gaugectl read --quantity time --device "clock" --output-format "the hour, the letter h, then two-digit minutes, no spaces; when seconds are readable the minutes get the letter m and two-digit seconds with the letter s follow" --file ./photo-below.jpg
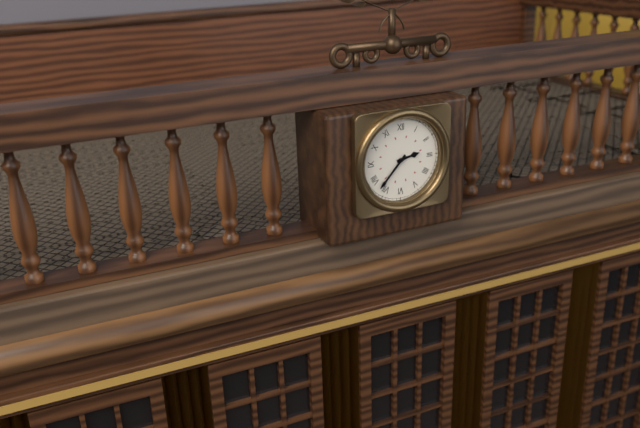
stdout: 2h37
